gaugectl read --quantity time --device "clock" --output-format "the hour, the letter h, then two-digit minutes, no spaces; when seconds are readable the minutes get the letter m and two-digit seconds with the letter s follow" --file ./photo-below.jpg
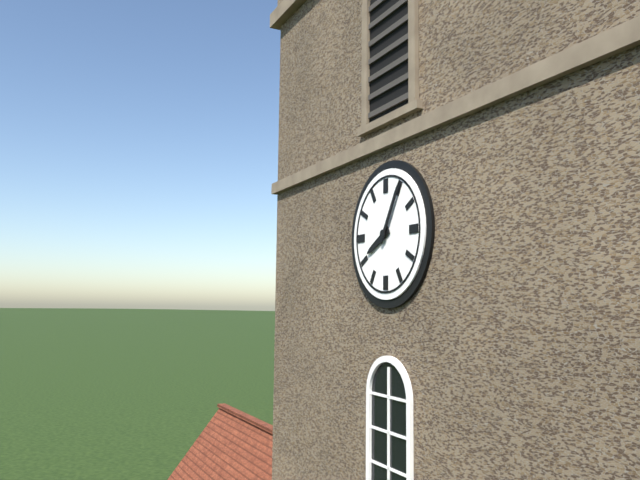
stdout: 8h05
